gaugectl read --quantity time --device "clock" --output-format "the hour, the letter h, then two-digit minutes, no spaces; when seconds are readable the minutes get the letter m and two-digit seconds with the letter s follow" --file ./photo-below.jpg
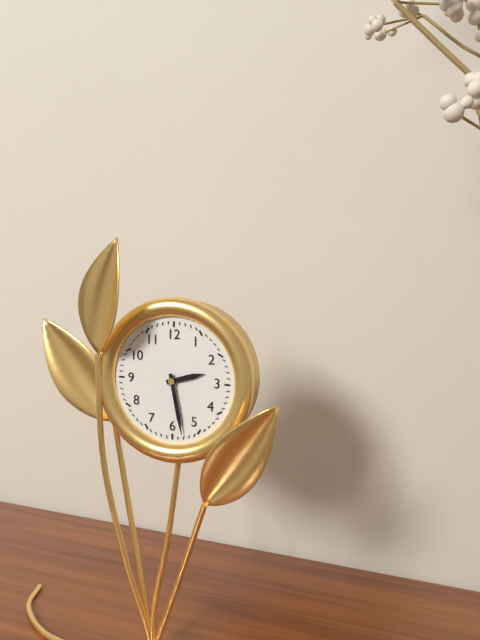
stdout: 2h28
